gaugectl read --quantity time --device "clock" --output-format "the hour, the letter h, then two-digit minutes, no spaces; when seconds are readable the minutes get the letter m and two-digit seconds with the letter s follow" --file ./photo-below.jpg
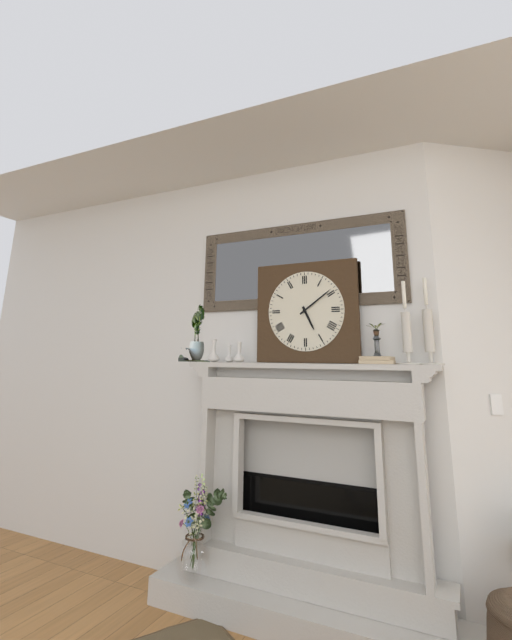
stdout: 5h09
